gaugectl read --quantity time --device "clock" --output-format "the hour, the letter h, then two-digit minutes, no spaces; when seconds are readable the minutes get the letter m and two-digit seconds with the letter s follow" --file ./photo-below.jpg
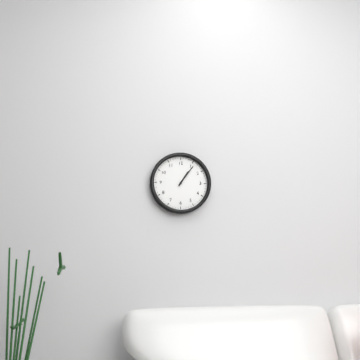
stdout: 1h06
